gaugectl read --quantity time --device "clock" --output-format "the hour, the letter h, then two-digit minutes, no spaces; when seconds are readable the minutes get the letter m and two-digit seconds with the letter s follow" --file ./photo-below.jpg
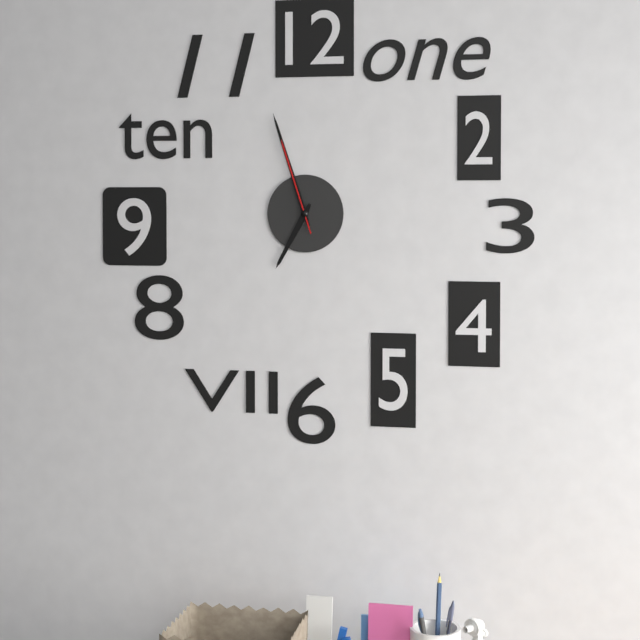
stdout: 6h57m57s
